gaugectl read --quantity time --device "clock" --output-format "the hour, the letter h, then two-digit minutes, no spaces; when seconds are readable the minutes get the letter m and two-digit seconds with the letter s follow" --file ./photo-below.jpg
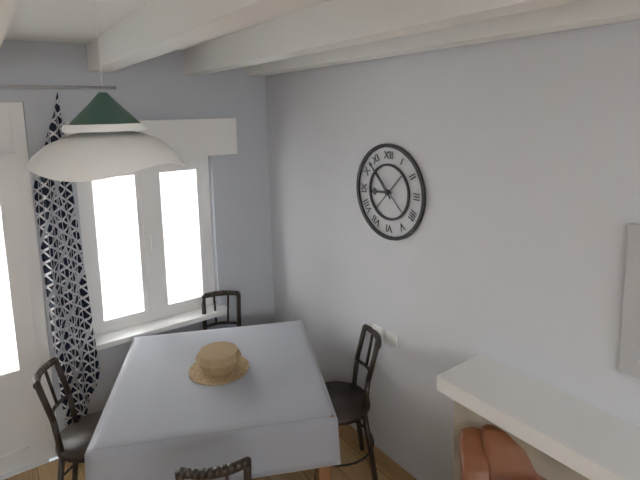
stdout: 8h53
